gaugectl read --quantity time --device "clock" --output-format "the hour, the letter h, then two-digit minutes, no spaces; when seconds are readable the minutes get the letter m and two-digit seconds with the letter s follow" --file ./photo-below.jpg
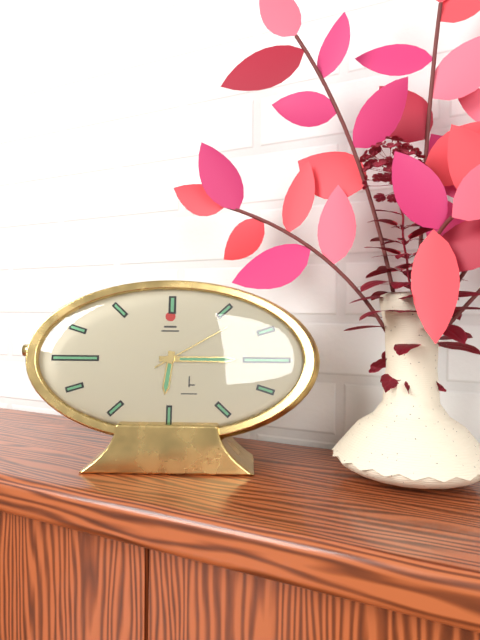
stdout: 6h15m10s
